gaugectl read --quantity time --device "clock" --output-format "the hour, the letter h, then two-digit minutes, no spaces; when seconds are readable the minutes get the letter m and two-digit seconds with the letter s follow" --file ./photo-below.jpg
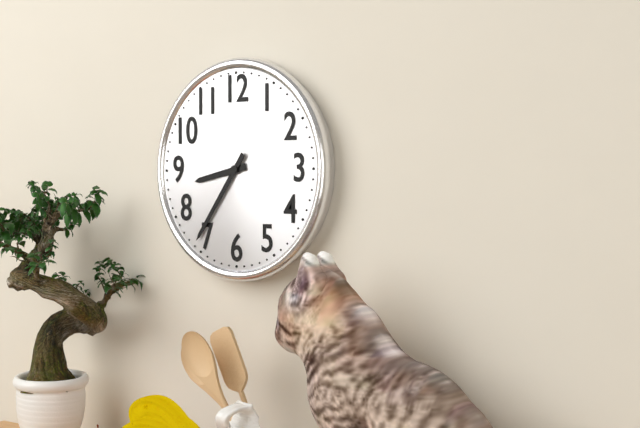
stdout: 8h36
